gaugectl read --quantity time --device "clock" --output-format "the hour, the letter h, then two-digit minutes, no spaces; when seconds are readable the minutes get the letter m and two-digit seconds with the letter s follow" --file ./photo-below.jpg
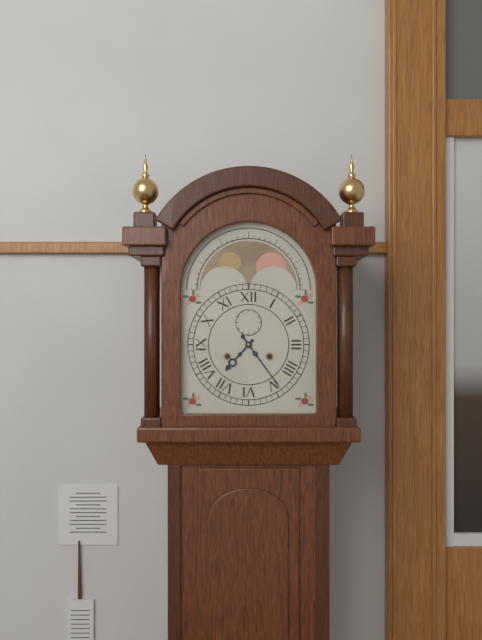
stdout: 7h24
